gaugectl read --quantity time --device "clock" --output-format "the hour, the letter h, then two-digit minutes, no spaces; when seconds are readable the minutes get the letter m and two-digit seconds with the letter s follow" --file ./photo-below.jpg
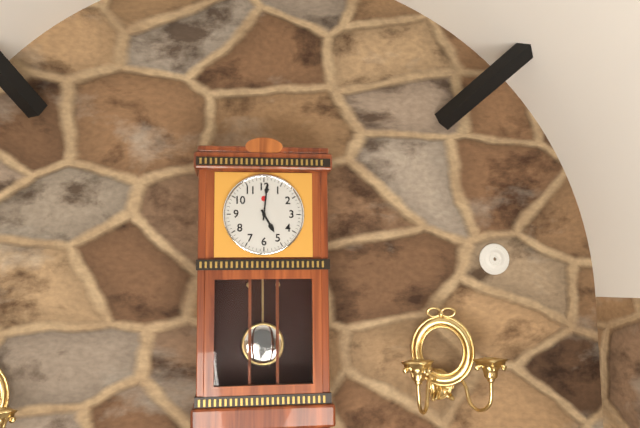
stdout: 5h01
